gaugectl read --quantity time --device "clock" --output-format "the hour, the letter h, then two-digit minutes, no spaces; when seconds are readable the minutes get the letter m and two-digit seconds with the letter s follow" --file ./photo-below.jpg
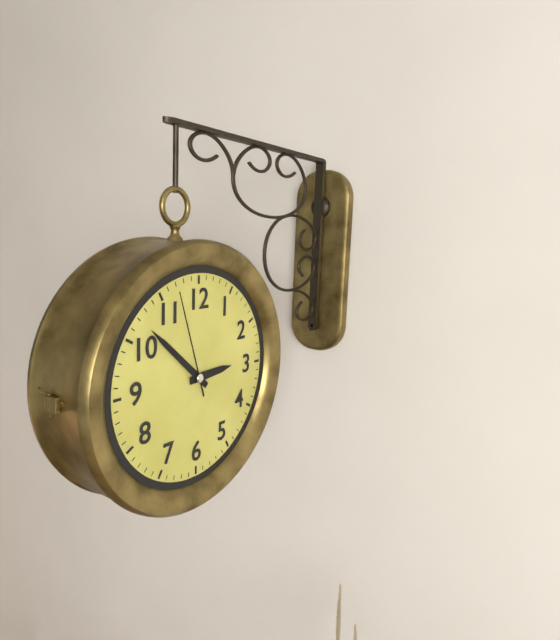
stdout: 2h52m57s
